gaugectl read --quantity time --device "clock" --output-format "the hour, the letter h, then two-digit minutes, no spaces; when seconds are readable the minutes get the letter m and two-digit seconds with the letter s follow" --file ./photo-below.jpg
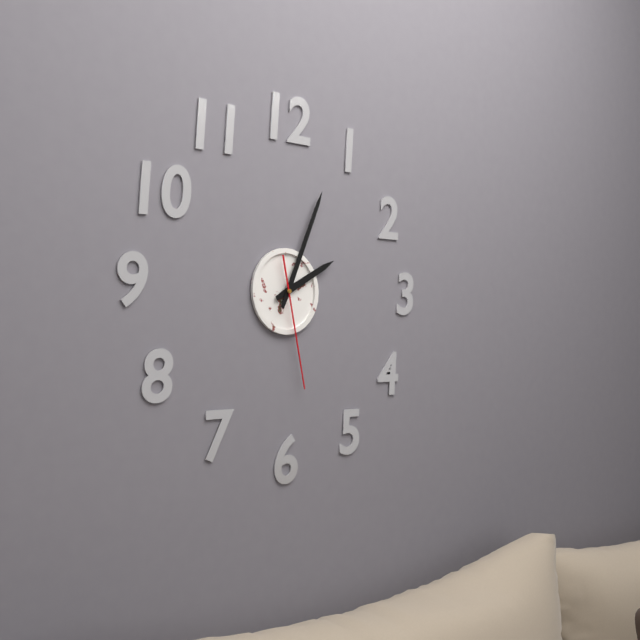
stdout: 2h04m28s
